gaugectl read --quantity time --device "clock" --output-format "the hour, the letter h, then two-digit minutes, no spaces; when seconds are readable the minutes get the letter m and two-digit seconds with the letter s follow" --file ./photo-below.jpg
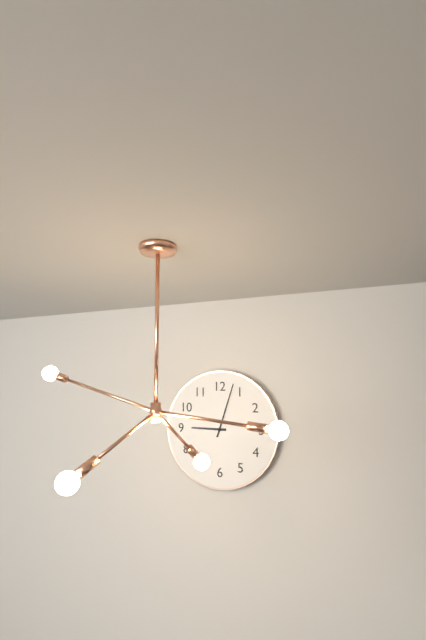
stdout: 9h03
